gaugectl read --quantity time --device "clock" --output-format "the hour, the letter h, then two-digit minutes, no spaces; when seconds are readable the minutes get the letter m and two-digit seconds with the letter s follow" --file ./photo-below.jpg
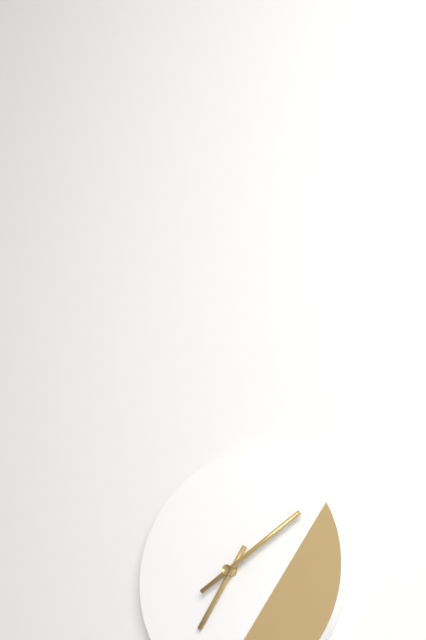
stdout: 7h10
